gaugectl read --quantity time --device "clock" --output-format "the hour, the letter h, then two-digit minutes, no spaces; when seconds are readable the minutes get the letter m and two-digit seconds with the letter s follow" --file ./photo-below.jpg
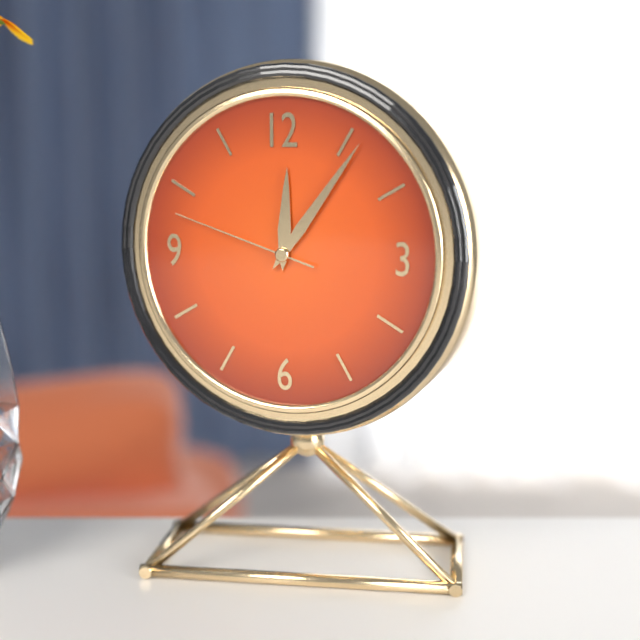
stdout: 12h06m48s
